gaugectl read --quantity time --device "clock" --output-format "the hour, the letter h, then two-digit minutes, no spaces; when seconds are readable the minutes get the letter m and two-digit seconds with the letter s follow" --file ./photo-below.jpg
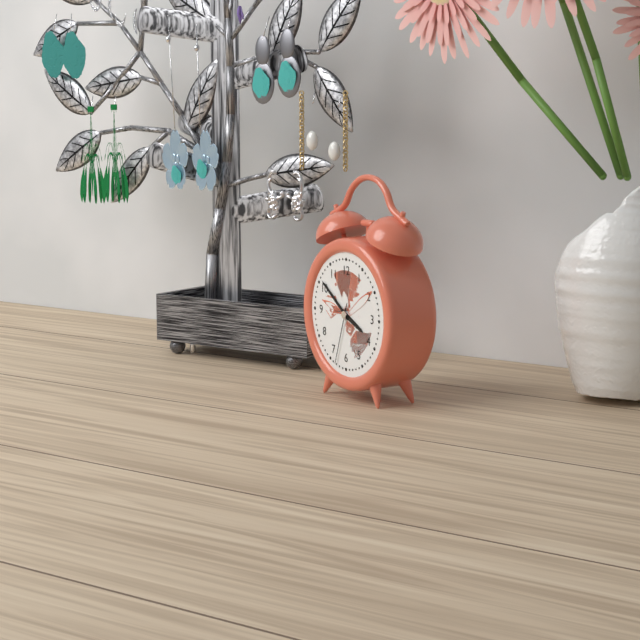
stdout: 3h51m33s
